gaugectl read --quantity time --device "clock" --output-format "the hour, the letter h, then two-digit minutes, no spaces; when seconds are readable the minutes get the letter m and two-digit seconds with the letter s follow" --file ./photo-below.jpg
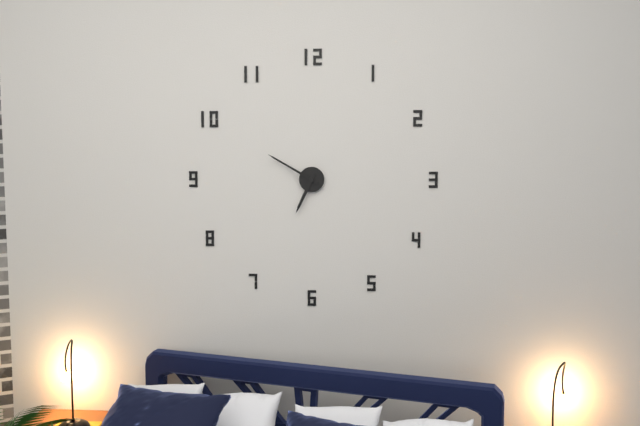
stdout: 6h50
